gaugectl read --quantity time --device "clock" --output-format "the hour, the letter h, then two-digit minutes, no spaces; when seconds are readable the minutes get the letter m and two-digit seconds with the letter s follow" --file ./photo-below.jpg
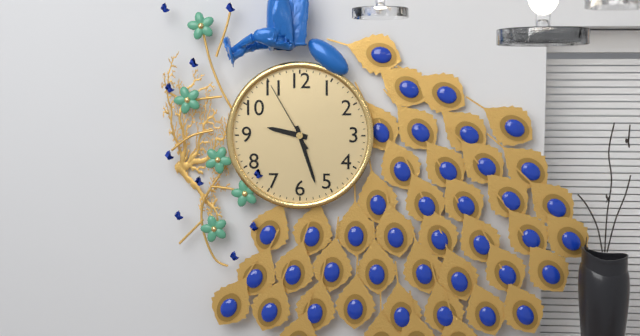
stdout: 9h27m55s
